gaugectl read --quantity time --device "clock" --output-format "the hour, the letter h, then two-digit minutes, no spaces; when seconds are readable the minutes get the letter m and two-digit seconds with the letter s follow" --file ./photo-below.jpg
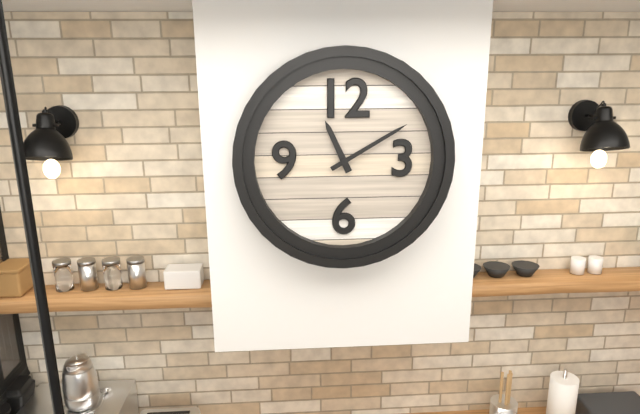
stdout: 11h10
